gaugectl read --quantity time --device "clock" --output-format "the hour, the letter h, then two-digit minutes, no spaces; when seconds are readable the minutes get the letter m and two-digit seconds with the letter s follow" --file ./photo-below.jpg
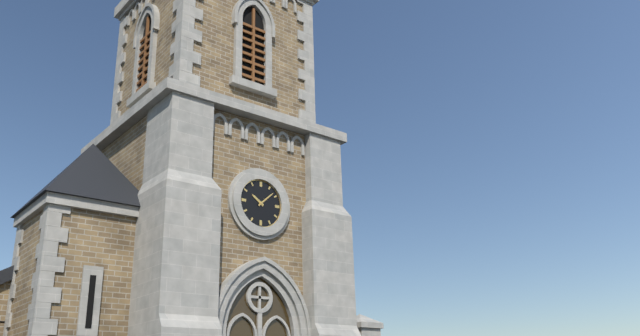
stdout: 10h08
